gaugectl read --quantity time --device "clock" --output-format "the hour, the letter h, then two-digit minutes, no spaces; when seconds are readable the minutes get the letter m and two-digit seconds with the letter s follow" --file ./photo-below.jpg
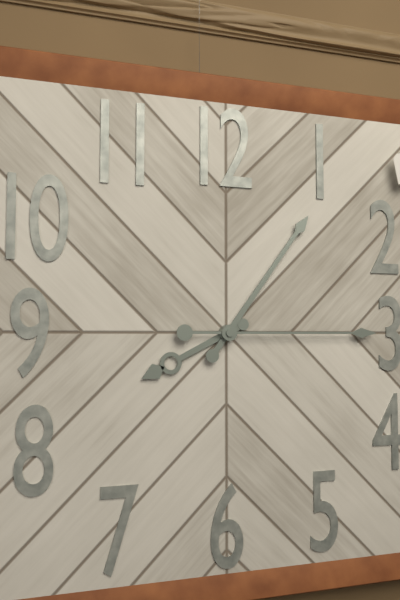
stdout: 8h06m15s
